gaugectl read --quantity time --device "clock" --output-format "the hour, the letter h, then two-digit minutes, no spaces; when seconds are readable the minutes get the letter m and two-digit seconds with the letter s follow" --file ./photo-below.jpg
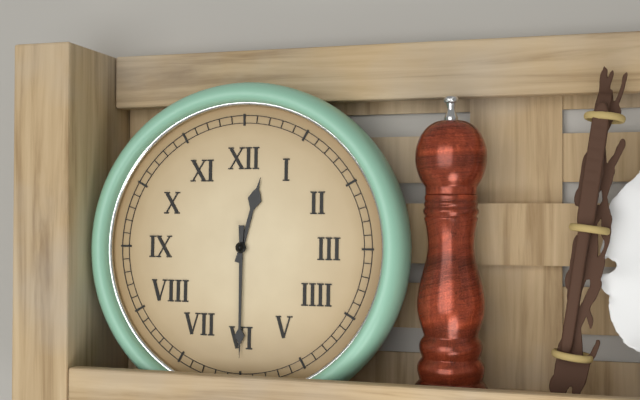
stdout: 12h30
